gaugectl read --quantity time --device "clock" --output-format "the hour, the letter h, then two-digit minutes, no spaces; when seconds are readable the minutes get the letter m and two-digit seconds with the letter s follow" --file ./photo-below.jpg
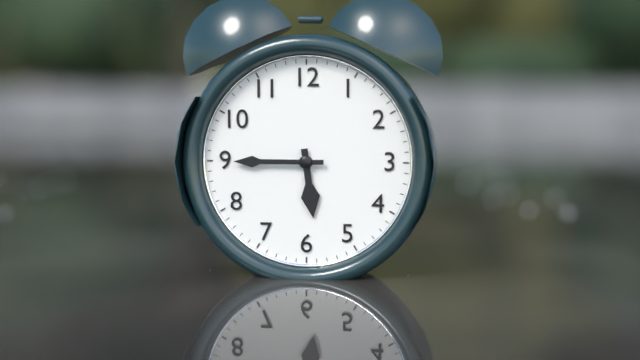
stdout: 5h45
